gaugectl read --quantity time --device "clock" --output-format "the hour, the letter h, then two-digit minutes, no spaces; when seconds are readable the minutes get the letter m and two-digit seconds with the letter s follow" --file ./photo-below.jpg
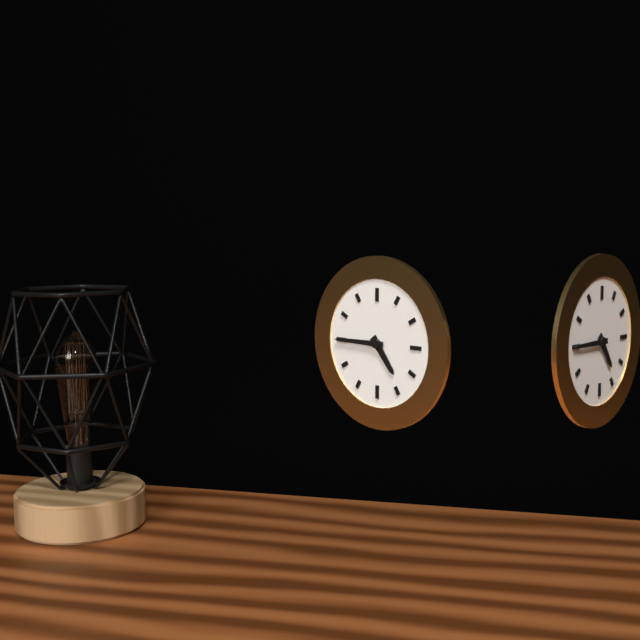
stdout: 4h45
